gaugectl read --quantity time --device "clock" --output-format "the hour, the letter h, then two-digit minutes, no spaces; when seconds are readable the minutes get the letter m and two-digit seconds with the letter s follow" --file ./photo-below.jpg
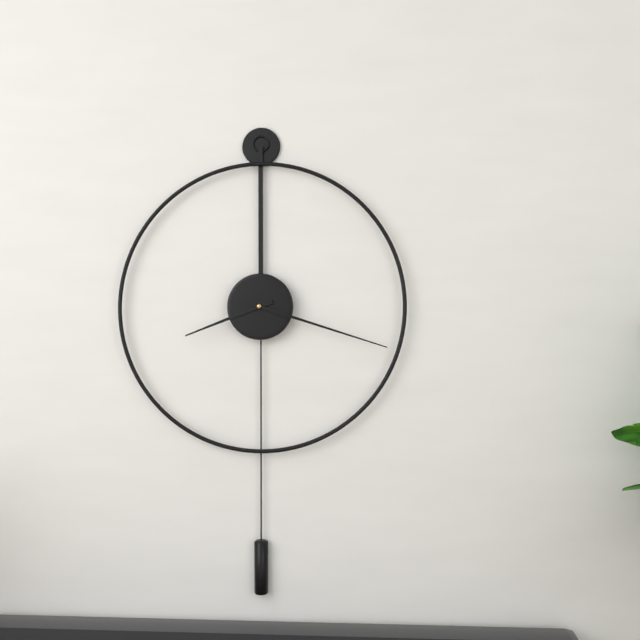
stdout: 8h18
